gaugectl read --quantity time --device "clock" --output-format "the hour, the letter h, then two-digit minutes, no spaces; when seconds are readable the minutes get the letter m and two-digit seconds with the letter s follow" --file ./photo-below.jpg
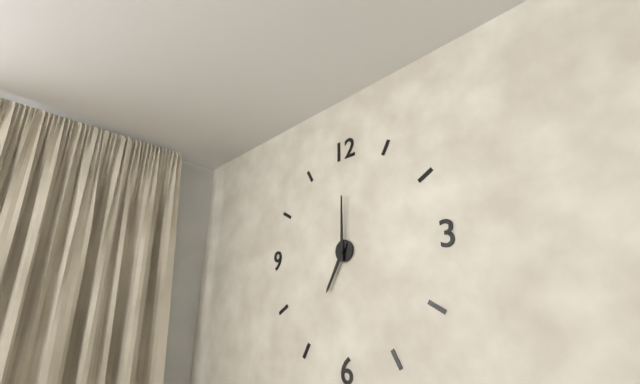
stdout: 7h00
